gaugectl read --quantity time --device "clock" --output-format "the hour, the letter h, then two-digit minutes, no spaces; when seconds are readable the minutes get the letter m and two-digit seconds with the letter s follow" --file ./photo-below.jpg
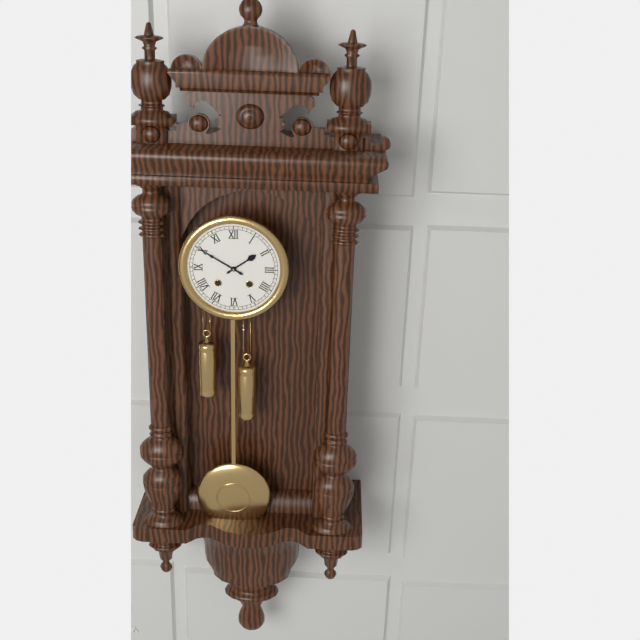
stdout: 1h50
